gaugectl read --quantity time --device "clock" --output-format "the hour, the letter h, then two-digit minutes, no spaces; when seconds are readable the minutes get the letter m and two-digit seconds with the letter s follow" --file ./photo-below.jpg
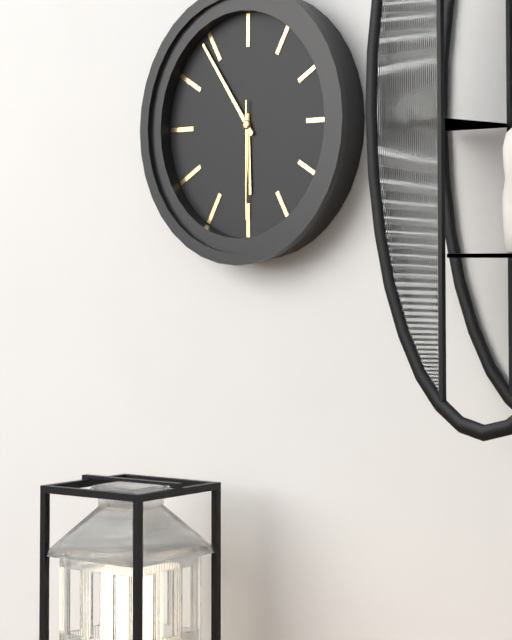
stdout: 5h54m30s
